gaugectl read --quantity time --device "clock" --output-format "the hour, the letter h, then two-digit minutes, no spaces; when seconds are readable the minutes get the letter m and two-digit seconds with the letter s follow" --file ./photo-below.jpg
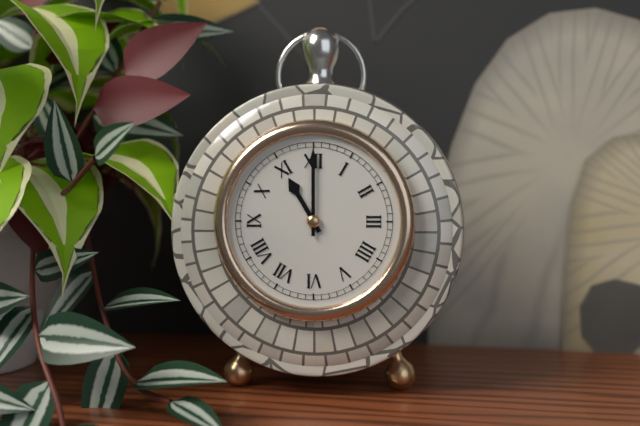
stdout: 11h00
